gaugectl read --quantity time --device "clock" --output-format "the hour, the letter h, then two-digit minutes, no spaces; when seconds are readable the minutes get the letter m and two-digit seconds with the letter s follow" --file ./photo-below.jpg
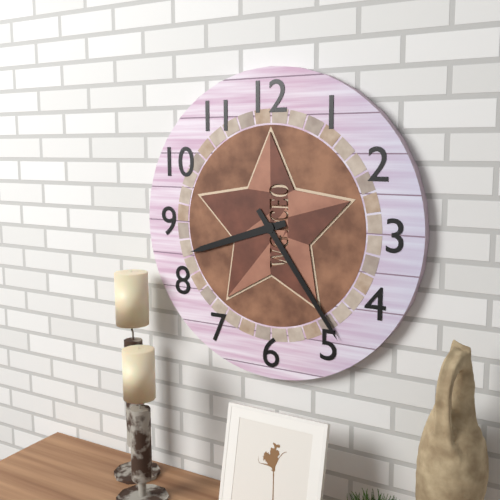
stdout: 8h24
